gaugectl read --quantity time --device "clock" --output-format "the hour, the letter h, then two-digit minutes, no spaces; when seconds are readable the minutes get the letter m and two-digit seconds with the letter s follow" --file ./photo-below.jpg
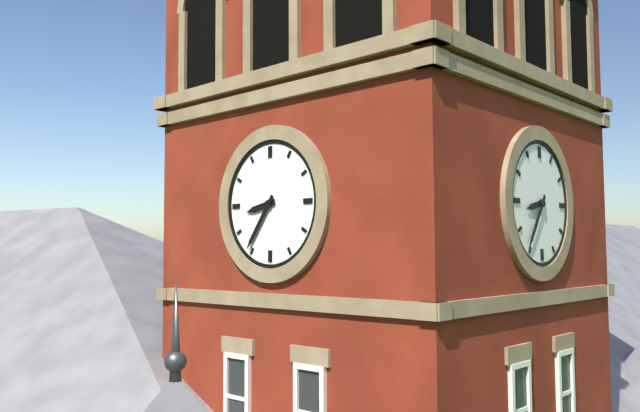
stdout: 8h36
